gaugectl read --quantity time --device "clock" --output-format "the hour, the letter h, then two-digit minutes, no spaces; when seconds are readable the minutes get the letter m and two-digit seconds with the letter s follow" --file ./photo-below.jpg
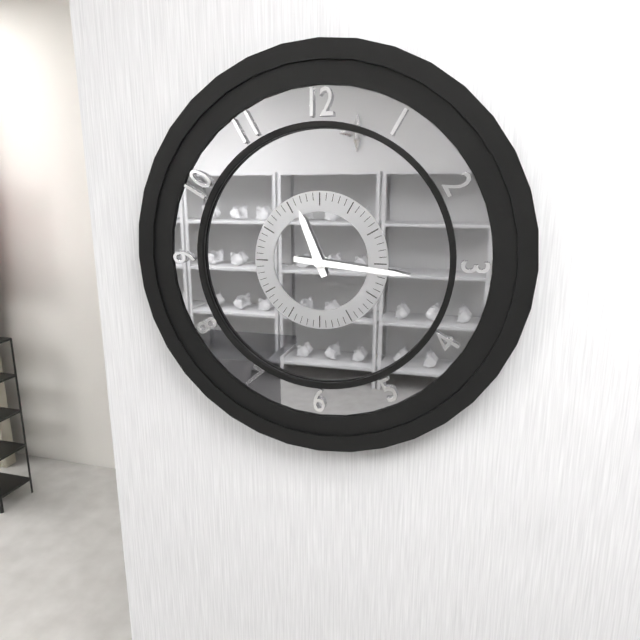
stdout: 11h16
